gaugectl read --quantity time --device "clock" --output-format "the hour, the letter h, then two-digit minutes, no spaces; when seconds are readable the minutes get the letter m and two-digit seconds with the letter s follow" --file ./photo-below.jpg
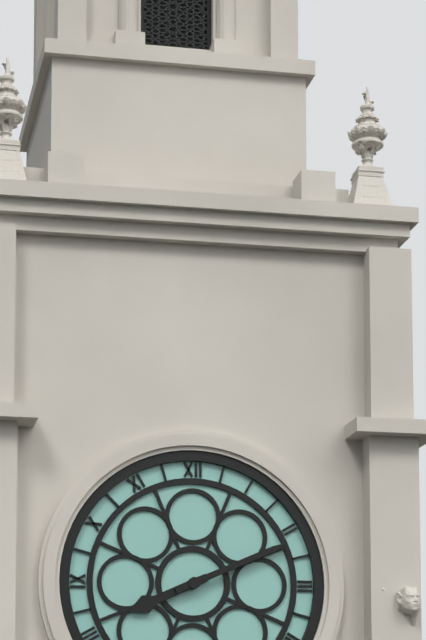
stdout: 8h11
